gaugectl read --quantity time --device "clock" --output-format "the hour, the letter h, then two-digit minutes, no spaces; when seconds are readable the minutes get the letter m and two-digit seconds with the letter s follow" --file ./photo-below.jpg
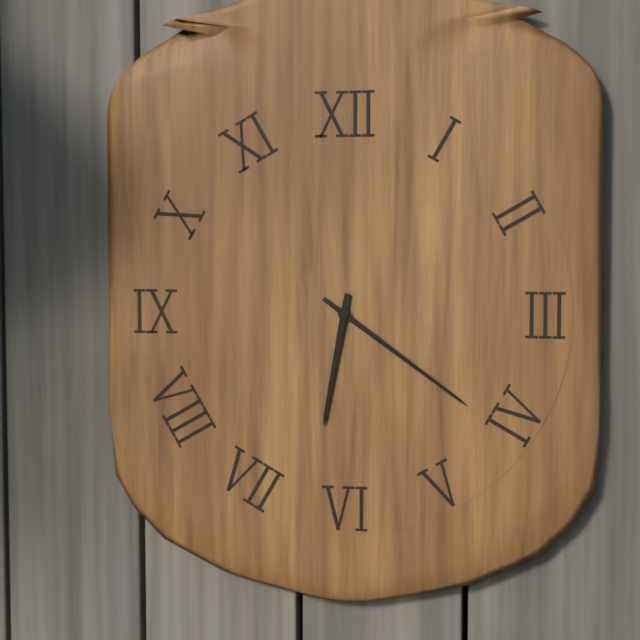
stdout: 6h21
